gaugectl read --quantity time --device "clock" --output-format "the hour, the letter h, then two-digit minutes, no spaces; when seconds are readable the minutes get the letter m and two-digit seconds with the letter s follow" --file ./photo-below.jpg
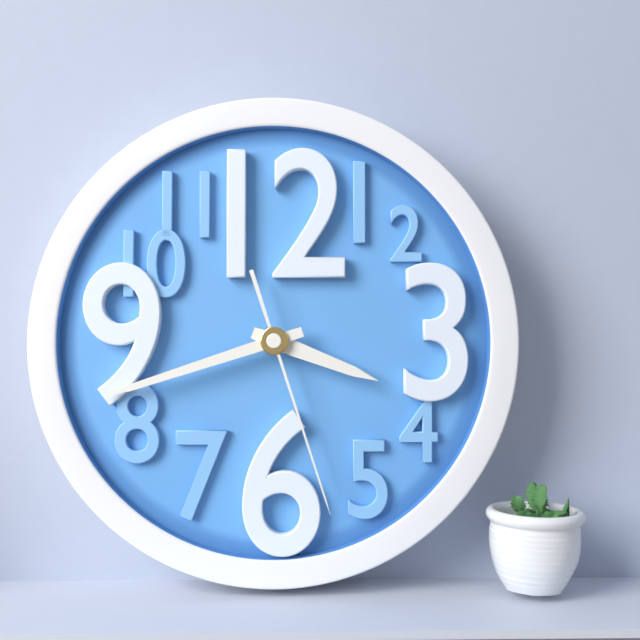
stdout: 3h42m27s
